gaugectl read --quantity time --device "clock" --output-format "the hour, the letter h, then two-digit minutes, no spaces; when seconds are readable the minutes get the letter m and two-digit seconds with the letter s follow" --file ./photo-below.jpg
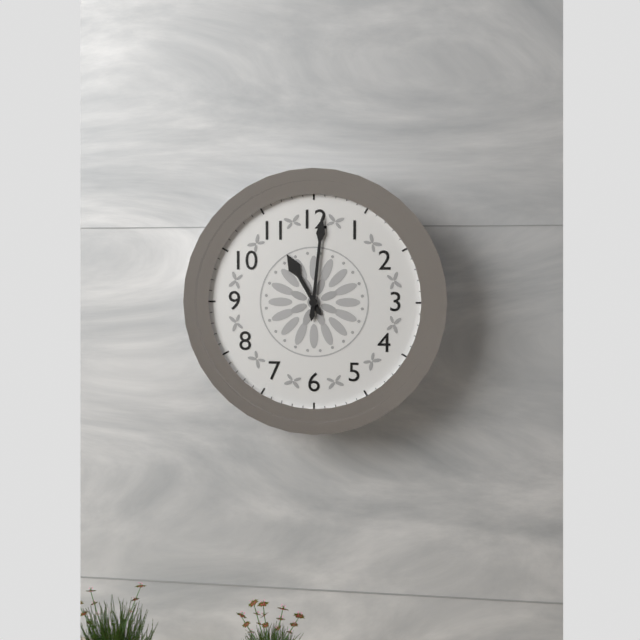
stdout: 11h01
